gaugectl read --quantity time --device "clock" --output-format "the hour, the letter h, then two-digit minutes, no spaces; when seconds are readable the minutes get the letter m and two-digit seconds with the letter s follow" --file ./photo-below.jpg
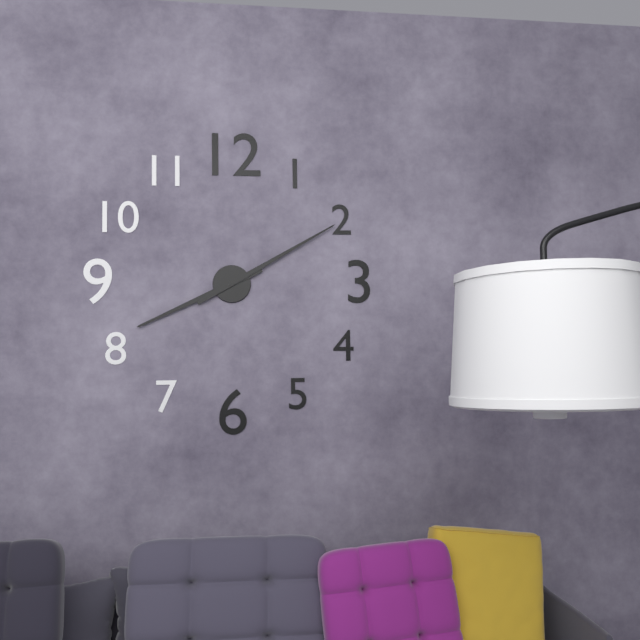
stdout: 8h10
